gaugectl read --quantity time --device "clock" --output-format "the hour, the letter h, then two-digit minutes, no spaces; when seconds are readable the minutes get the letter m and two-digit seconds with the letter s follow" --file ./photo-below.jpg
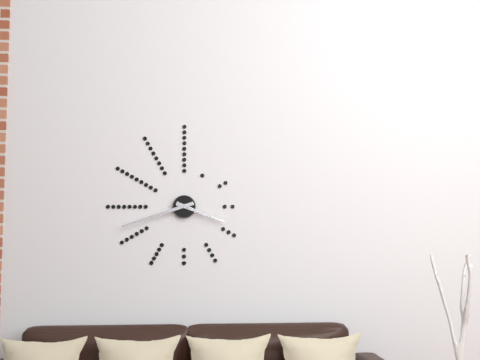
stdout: 3h42
